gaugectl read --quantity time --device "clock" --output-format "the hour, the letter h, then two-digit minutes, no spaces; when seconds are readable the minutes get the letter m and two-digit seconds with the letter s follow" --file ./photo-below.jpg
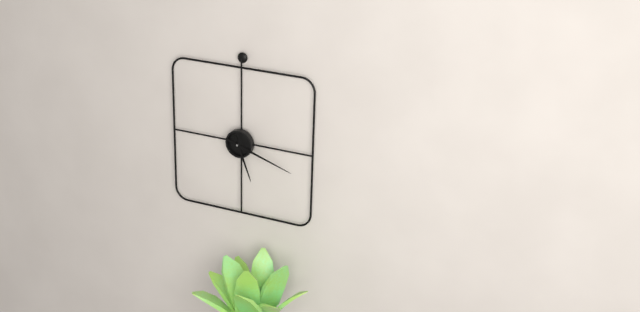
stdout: 5h18
